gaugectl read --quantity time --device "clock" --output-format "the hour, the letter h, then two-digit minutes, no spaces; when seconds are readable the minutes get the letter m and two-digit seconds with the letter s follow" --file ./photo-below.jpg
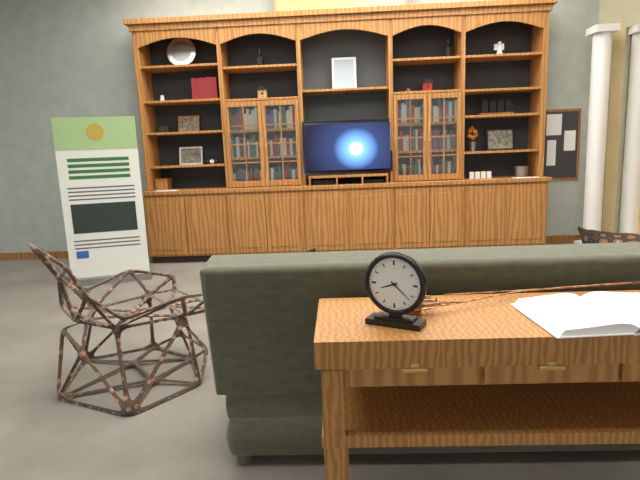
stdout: 8h22
